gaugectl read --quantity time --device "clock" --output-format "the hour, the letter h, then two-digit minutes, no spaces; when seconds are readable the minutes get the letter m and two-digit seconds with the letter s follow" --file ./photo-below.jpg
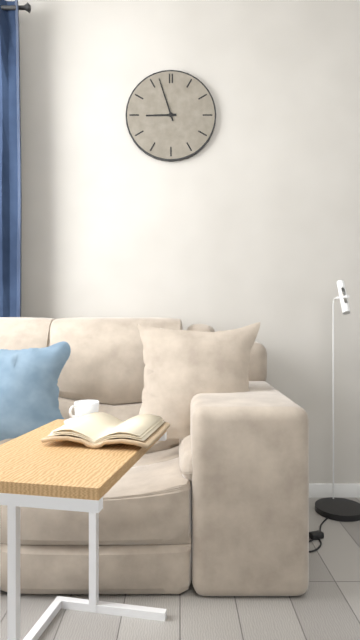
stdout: 8h57
